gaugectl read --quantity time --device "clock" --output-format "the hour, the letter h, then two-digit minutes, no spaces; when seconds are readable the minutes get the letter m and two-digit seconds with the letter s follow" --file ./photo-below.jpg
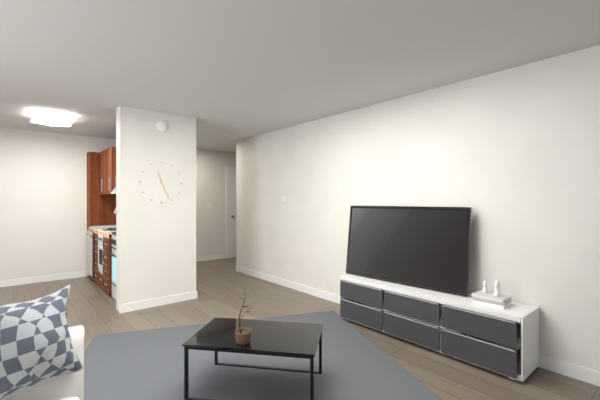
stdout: 11h26
